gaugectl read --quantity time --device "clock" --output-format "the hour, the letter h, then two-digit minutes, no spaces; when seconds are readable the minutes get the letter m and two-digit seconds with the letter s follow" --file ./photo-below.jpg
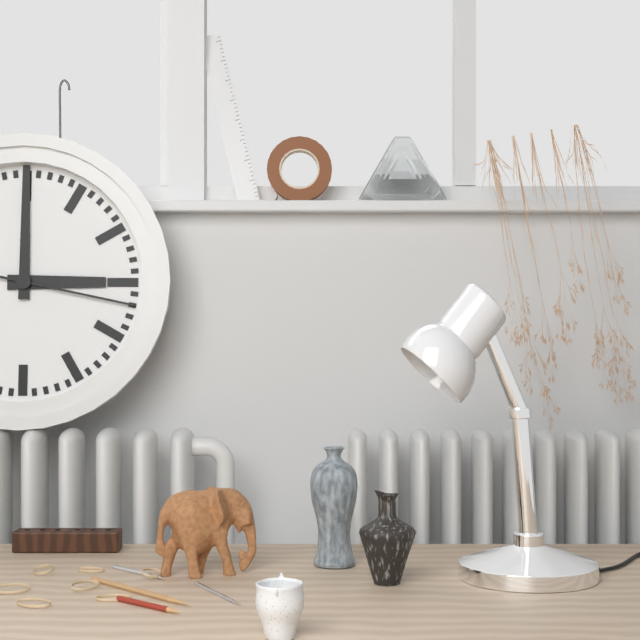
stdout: 3h00m17s
